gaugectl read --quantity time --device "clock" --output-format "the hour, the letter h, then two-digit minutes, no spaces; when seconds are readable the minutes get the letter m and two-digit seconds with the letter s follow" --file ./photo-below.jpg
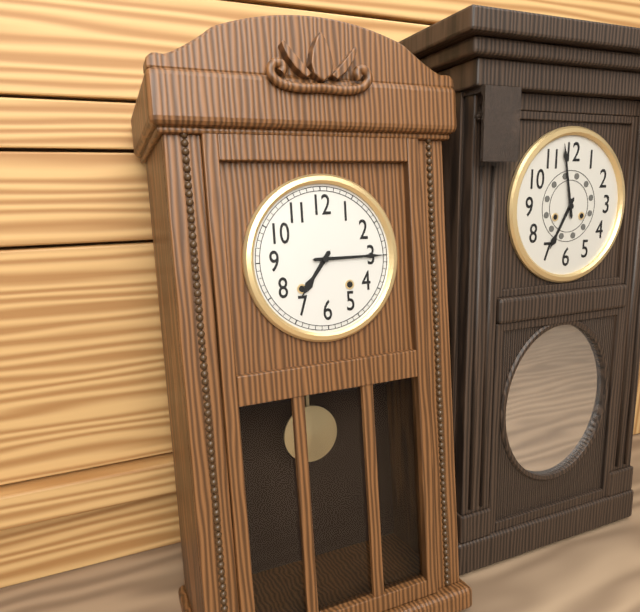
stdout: 7h15
